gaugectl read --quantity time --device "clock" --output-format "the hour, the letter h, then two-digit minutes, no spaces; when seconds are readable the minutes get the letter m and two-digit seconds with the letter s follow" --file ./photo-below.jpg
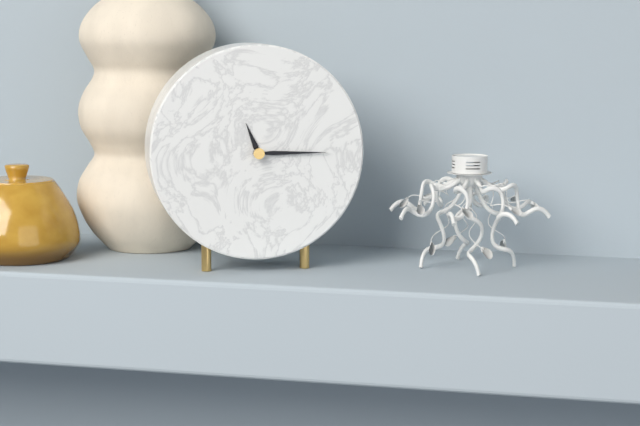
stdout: 11h15
